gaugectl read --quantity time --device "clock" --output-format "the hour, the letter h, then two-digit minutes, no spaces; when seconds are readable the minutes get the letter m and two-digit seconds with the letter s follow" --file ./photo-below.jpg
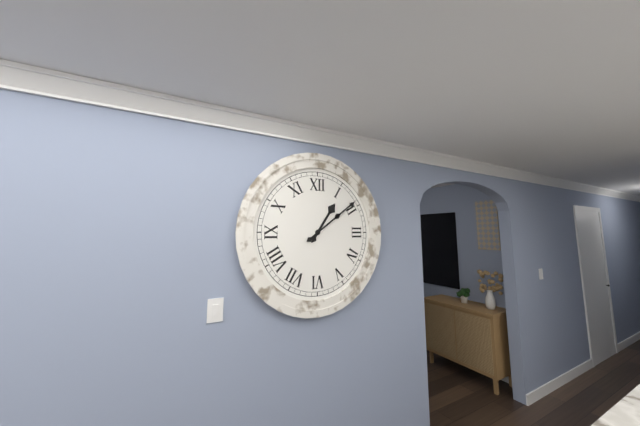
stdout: 1h09
